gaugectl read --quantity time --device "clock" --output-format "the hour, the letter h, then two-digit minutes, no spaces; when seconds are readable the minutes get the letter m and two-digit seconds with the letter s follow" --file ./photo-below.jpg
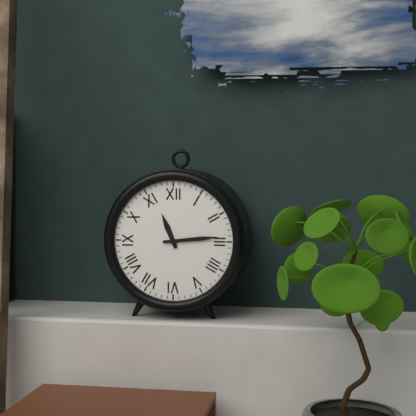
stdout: 11h14
